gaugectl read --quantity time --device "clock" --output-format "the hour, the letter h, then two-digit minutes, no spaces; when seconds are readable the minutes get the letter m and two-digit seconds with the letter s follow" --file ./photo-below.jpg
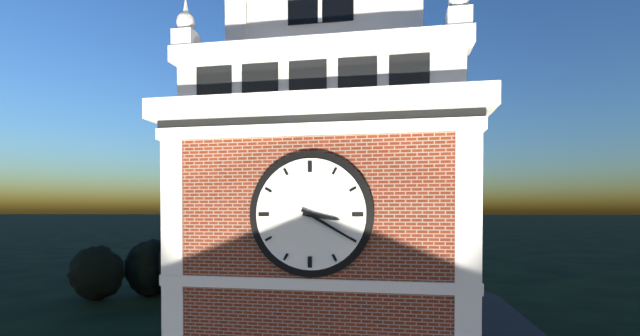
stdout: 3h20
